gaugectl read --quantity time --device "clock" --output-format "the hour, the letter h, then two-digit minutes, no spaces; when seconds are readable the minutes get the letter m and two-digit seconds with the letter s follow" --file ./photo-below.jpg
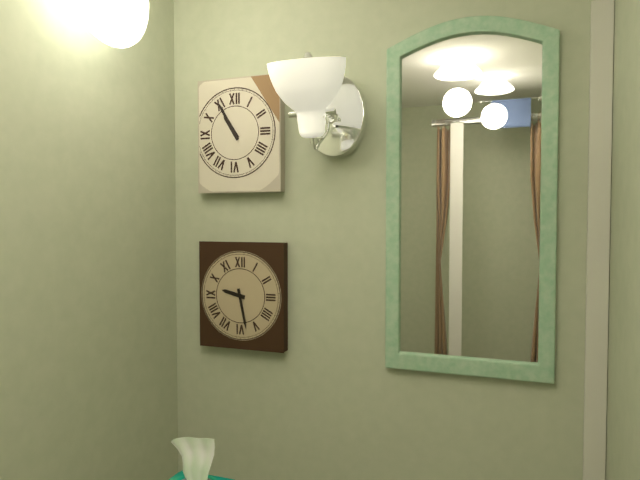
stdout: 10h55
